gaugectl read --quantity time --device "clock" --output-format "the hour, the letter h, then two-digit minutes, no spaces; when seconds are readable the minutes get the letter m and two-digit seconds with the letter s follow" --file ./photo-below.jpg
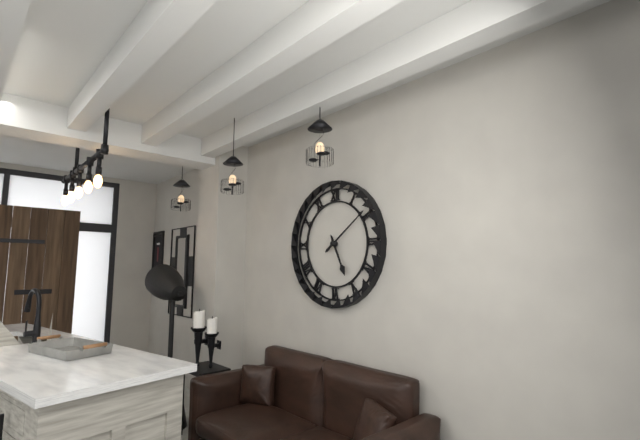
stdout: 5h09
